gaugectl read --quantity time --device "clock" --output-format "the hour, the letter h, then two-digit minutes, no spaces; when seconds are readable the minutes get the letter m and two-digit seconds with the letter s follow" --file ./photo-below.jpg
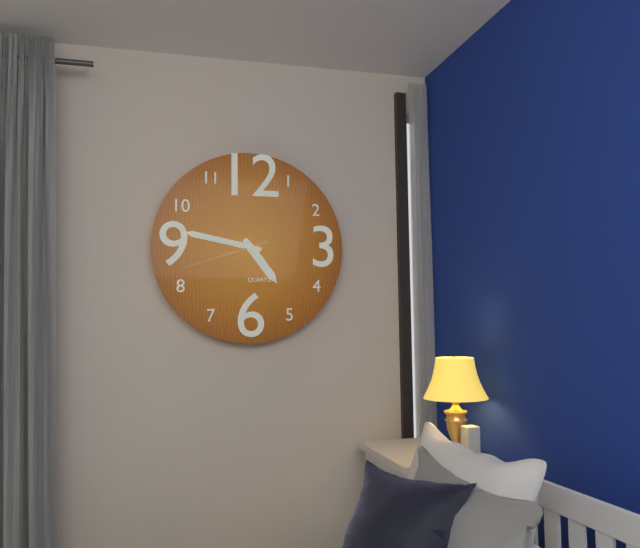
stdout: 4h47m42s
